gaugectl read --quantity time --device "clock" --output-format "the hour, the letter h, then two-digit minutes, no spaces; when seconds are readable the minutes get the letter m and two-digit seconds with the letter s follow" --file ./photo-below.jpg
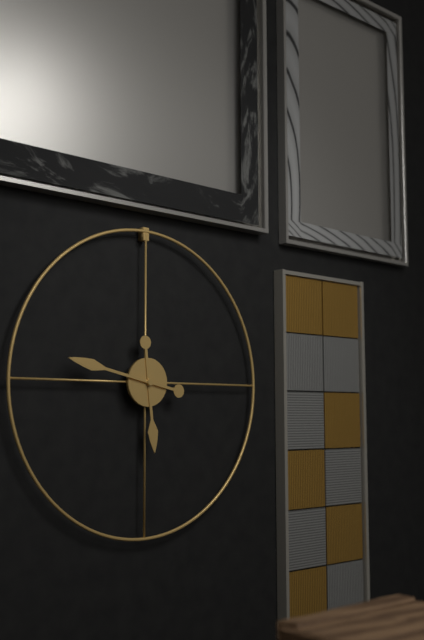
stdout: 5h47
